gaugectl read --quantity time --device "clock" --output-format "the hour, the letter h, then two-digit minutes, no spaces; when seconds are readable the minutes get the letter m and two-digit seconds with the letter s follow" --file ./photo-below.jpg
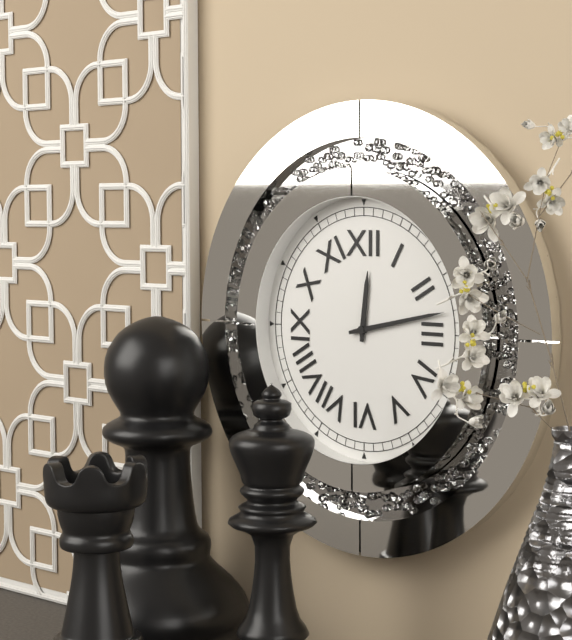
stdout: 12h13
